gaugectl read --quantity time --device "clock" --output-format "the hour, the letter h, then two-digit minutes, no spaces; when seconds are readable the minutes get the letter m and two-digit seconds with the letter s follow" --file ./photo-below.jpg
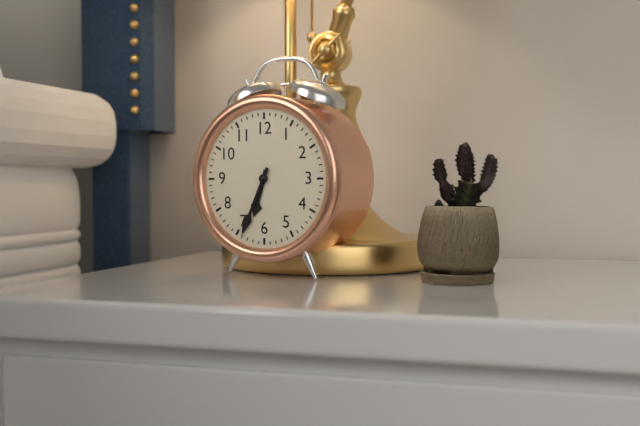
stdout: 6h34
